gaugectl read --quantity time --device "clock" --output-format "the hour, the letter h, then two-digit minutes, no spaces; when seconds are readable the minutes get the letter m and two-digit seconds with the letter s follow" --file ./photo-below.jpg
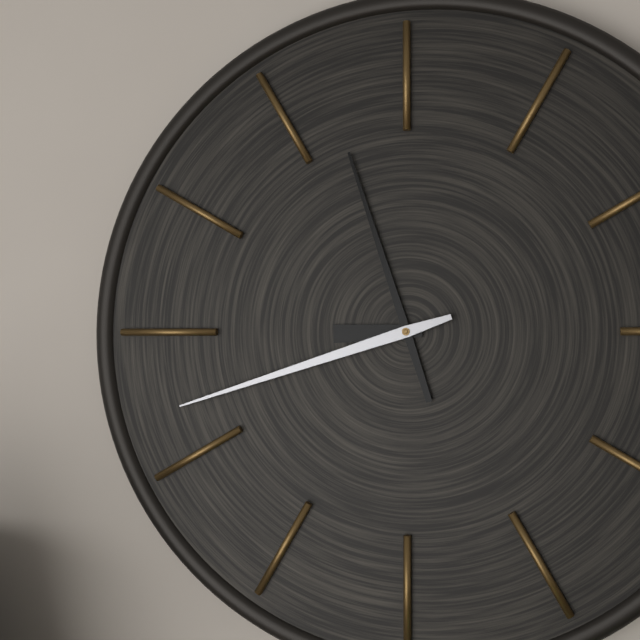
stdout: 8h57m42s
